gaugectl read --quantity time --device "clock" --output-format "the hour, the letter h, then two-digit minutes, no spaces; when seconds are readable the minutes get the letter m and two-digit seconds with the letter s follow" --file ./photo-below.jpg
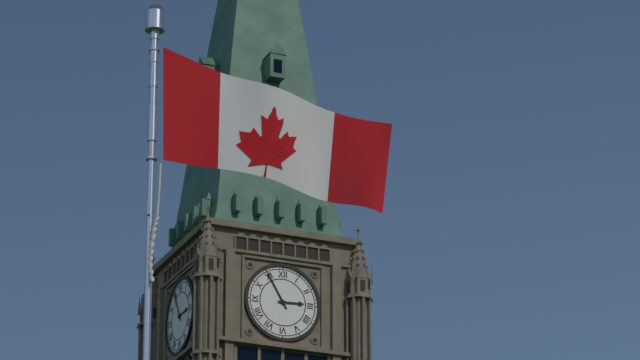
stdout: 2h55
